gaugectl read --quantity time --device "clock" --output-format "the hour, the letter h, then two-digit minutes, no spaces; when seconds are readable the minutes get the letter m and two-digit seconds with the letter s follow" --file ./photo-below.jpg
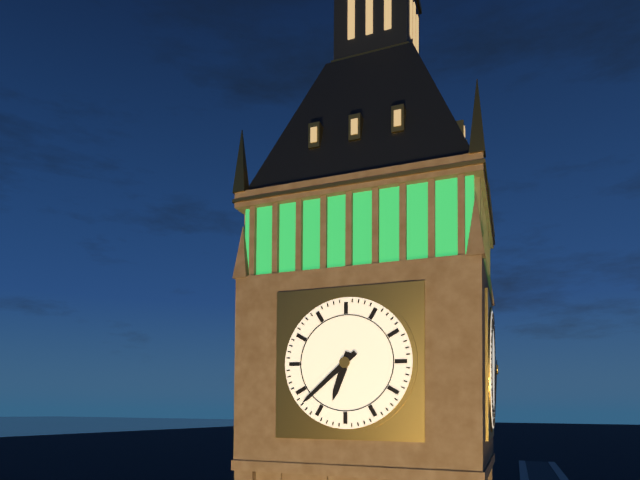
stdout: 6h38
